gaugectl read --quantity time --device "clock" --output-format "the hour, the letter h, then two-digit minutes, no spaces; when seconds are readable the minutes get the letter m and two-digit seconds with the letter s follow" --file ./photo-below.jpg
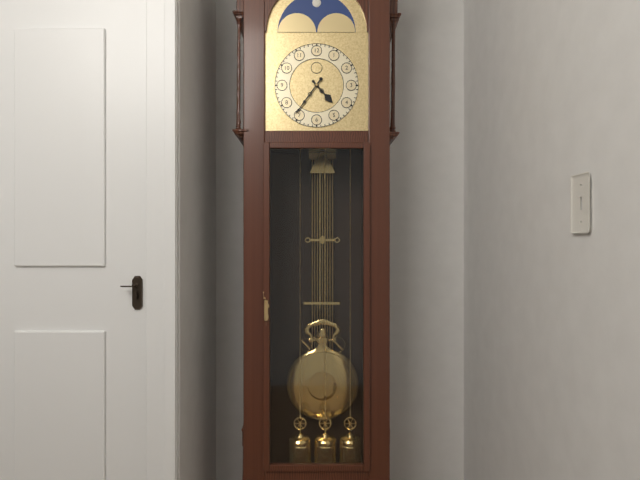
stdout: 4h36
